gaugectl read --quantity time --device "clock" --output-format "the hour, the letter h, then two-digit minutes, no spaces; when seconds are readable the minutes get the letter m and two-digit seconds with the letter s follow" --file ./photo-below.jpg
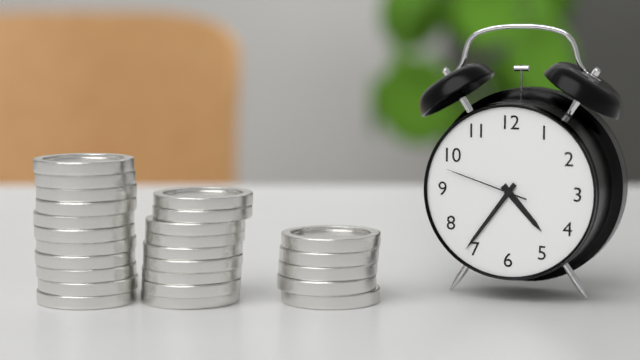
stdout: 4h36m48s
